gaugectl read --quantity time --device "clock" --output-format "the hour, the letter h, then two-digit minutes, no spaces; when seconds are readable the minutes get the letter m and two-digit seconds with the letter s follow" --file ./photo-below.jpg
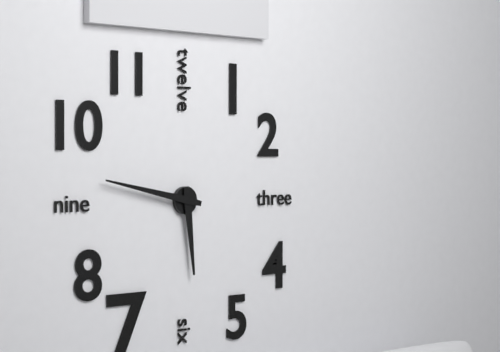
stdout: 5h47
